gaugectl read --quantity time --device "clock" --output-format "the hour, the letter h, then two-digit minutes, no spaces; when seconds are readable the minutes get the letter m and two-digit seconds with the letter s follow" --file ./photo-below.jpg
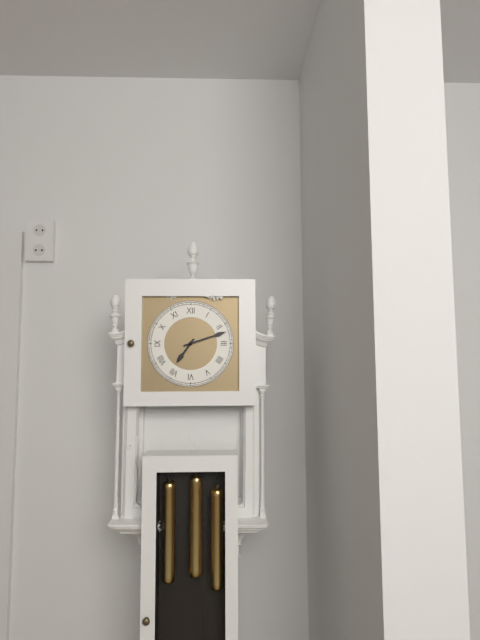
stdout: 7h12
